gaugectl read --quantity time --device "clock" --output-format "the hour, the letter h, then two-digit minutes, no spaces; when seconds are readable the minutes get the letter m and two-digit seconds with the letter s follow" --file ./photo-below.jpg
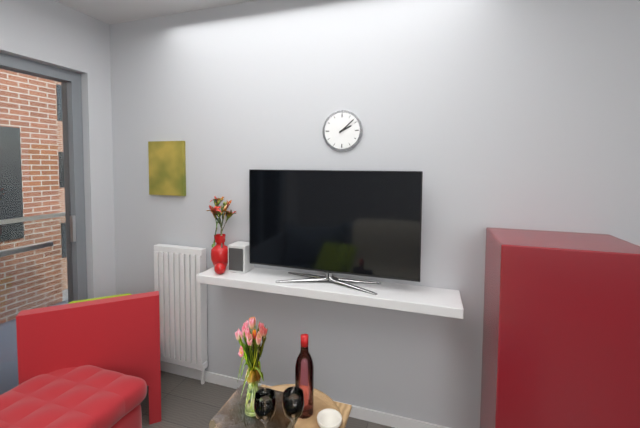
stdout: 2h08
